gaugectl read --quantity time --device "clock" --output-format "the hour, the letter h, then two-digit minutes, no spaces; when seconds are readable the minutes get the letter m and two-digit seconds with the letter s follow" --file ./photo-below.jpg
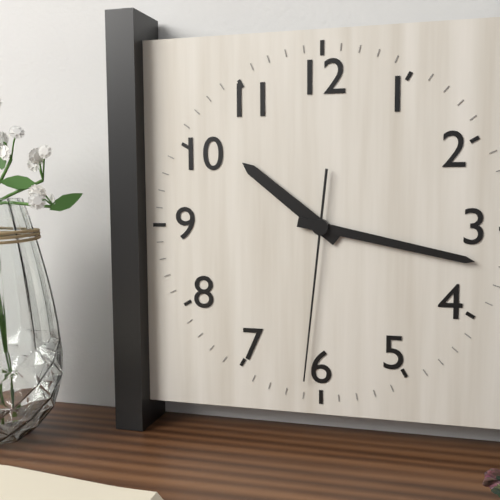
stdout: 10h17m31s
